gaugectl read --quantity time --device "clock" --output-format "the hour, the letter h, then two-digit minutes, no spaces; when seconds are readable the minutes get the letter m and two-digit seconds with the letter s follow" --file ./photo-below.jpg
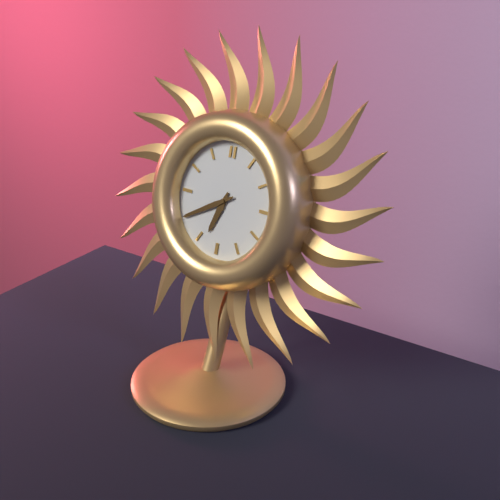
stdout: 6h40
